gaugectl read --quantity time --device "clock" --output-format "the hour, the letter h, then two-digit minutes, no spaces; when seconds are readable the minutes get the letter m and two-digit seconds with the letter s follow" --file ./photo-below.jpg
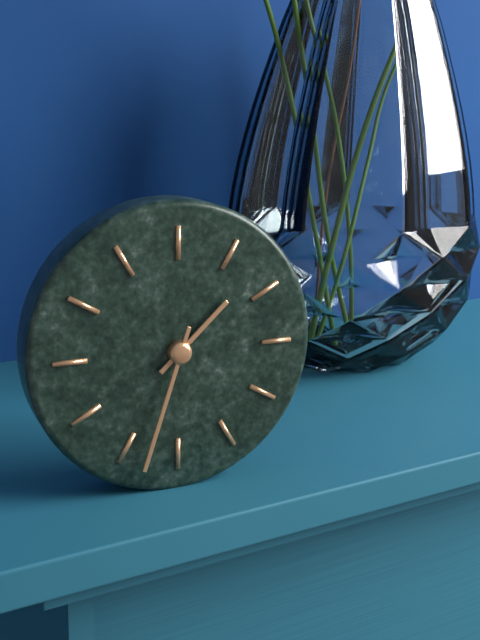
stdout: 1h33
